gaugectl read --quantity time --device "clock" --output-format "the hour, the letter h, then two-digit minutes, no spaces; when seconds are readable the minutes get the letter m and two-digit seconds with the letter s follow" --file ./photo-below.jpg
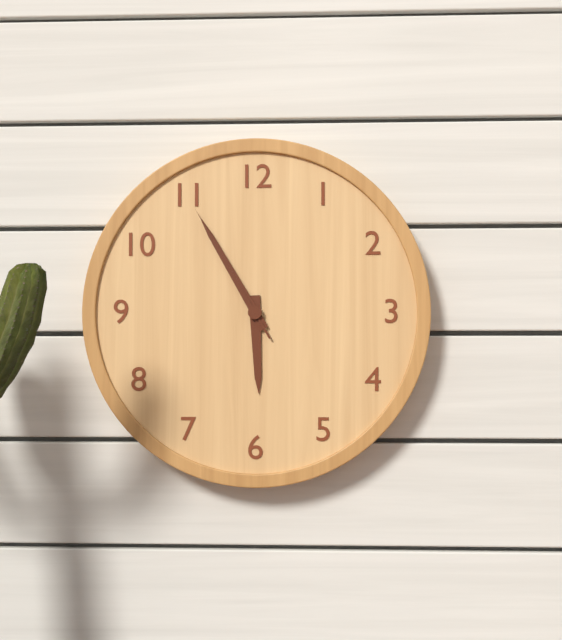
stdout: 5h55m55s
